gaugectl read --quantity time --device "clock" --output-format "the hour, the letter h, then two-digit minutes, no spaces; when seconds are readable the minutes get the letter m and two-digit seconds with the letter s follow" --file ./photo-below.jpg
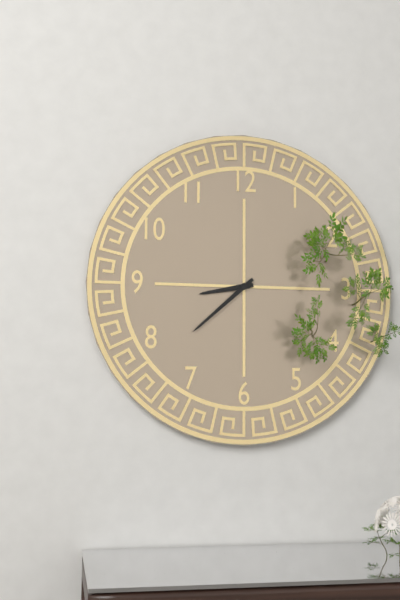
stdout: 8h38
